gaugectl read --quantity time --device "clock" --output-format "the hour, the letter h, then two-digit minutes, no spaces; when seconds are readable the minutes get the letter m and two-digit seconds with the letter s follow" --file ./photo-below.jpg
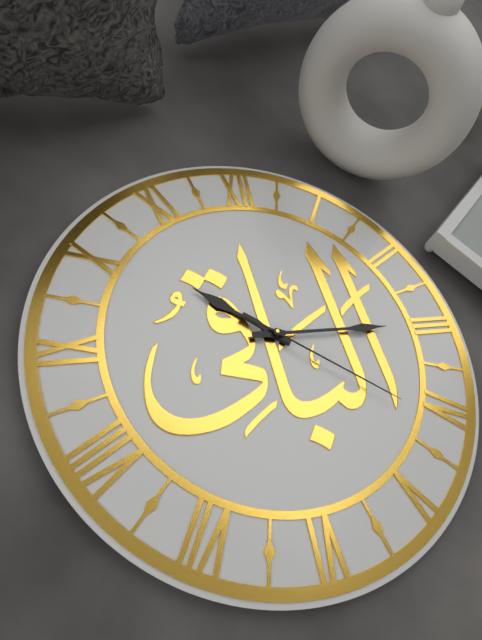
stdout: 10h15m21s
